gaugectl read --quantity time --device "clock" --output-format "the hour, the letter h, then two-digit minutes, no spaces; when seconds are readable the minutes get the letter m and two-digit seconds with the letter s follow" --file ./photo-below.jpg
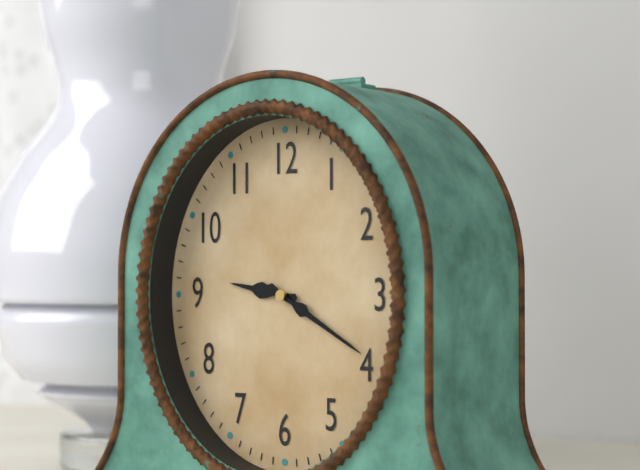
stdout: 9h20
